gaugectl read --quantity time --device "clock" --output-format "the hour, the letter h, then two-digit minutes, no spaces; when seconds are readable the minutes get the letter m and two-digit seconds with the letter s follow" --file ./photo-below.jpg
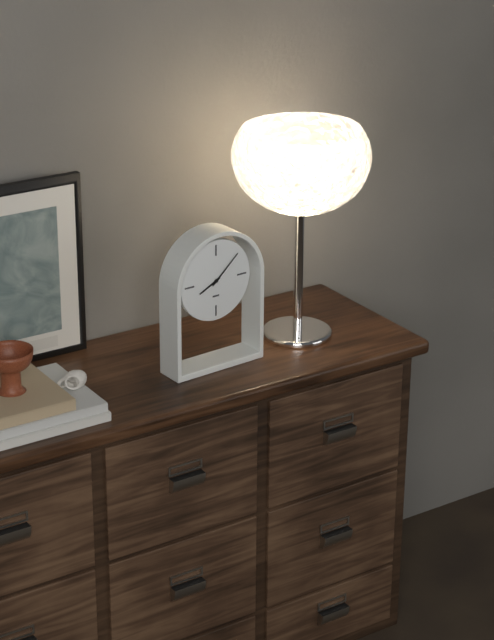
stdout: 8h08
